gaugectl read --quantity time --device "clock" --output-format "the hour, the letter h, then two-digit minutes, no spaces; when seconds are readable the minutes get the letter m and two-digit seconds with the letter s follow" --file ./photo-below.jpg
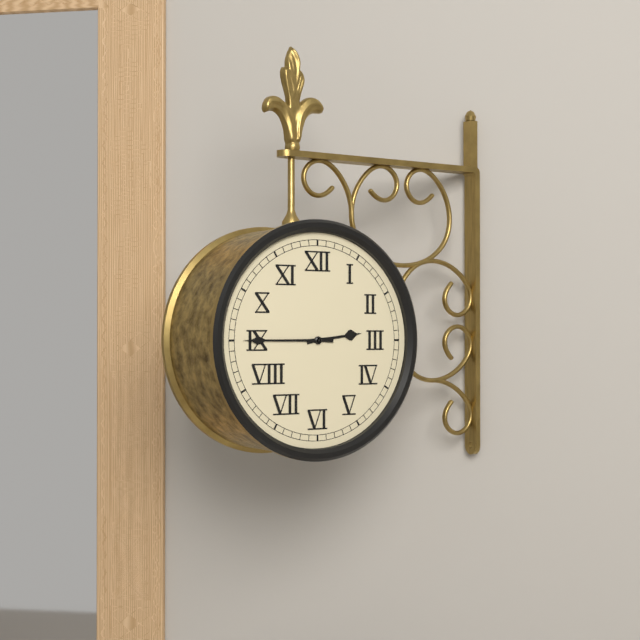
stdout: 2h45
